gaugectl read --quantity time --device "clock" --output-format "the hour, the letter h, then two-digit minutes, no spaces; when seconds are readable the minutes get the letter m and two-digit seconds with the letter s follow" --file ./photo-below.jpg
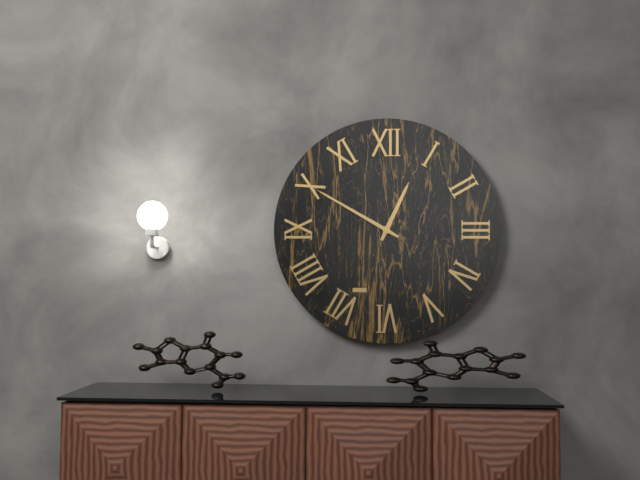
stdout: 12h50
